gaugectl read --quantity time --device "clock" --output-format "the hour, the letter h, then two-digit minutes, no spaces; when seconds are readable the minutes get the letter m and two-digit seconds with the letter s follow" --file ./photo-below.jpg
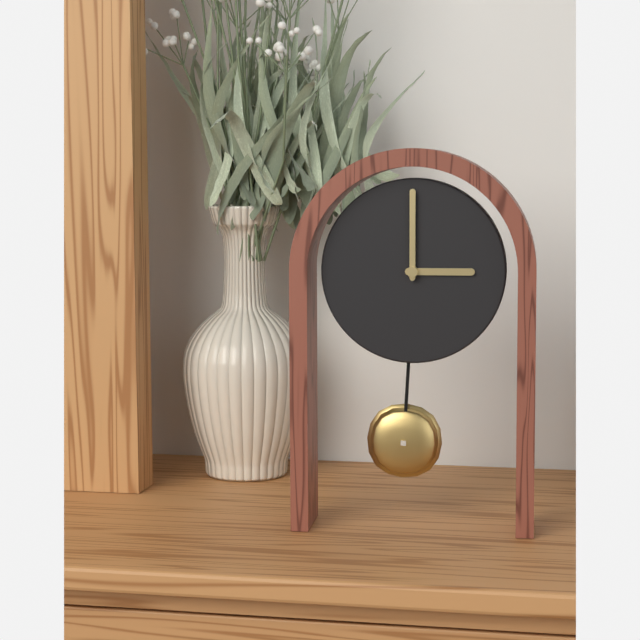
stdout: 3h00
